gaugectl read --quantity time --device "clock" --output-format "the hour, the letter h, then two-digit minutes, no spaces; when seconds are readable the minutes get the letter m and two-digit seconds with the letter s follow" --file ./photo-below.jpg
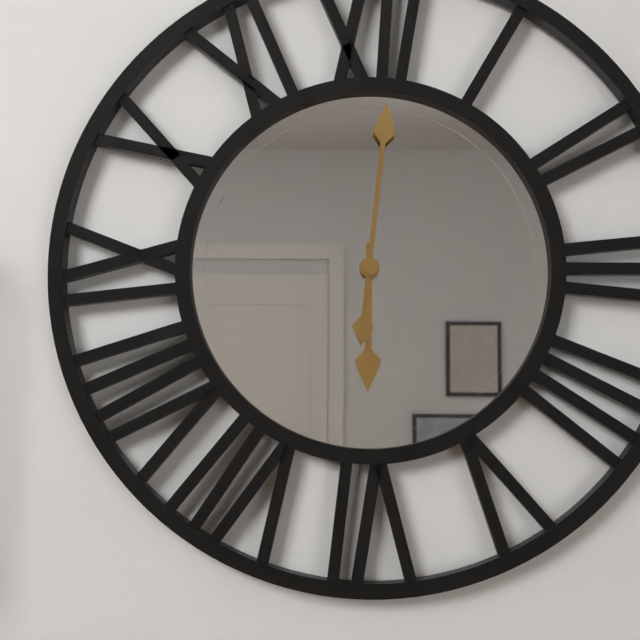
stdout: 6h01
